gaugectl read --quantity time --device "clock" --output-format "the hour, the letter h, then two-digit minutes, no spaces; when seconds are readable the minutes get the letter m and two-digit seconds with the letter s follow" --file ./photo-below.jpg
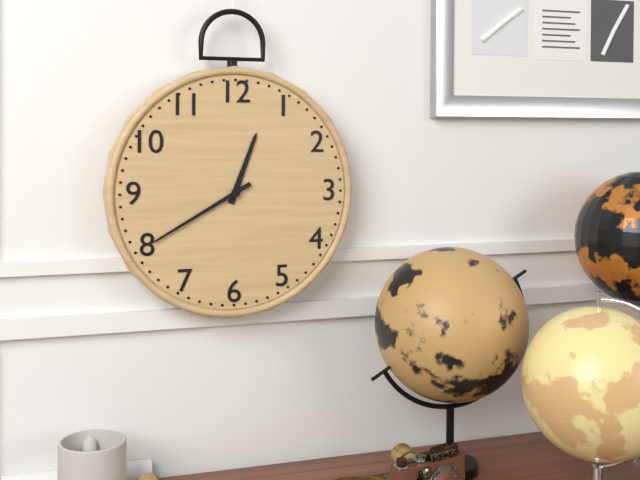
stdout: 12h40
